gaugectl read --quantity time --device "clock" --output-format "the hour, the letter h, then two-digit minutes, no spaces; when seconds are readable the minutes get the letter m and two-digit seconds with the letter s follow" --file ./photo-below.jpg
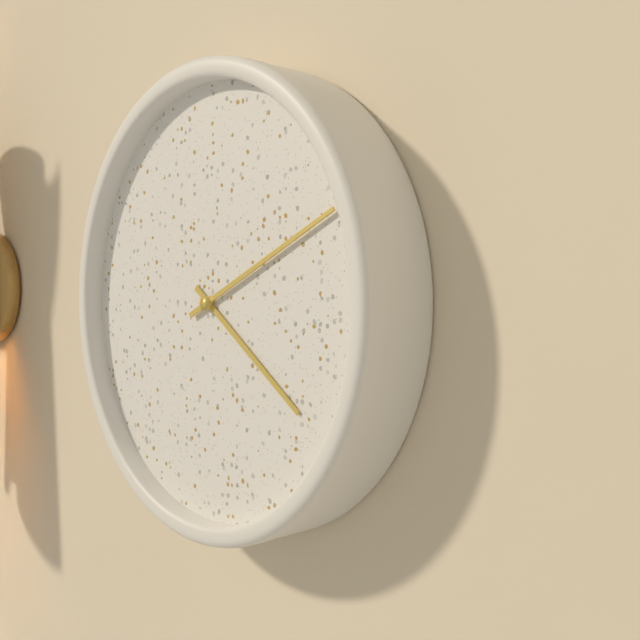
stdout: 4h11
